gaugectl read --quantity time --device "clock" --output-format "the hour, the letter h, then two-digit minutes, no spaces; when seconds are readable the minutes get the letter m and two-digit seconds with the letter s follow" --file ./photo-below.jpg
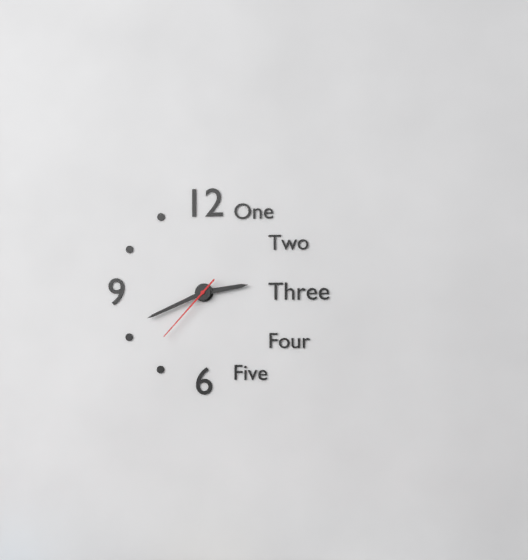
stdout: 2h41m37s
